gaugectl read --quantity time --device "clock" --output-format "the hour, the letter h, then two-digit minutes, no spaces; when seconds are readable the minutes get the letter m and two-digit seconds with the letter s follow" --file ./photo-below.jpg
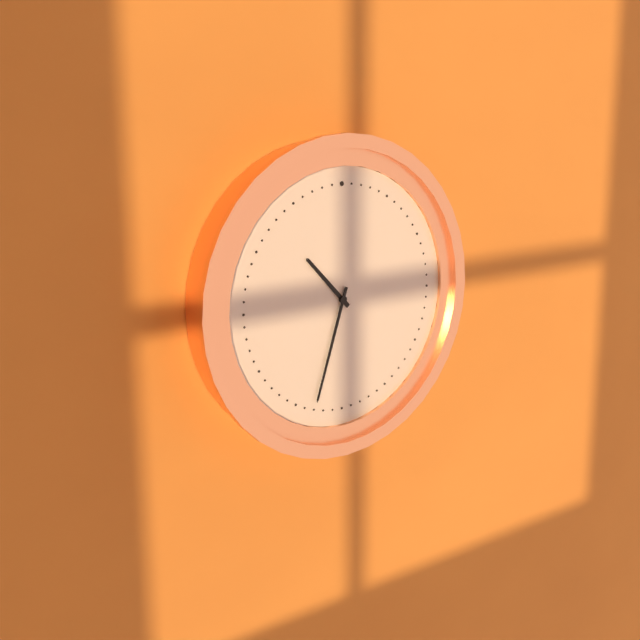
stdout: 10h33
